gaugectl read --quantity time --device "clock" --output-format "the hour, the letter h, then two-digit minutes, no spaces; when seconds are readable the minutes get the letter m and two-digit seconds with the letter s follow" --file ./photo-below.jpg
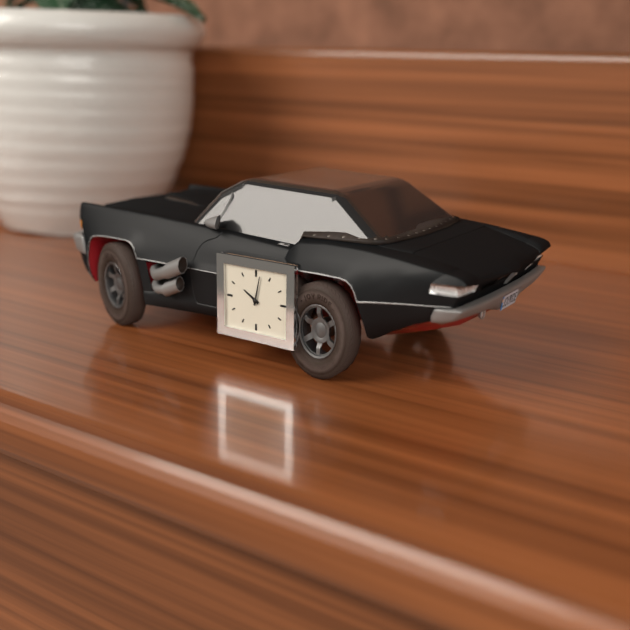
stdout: 10h02
